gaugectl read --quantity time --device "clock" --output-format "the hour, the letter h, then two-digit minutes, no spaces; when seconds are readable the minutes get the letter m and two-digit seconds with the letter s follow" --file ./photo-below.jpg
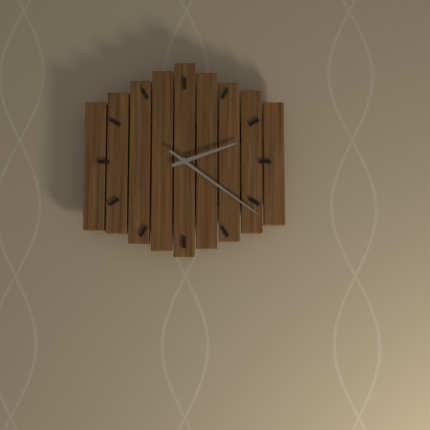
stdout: 2h21
